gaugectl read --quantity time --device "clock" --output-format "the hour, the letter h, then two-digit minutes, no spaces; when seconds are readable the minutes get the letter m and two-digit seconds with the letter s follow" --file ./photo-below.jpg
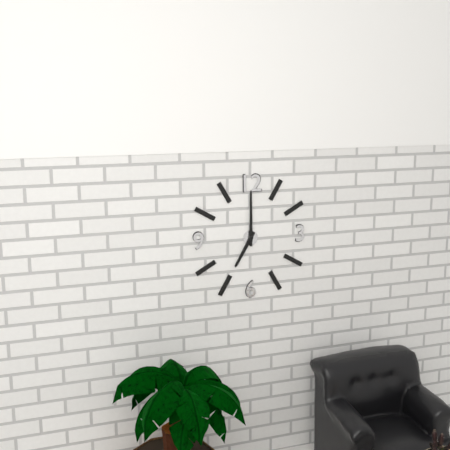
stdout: 7h00
